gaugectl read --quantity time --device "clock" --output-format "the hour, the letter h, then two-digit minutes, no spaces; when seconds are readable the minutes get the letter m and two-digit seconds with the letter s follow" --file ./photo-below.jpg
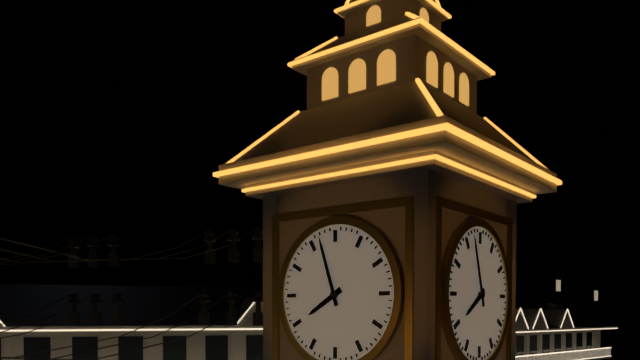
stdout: 7h57
